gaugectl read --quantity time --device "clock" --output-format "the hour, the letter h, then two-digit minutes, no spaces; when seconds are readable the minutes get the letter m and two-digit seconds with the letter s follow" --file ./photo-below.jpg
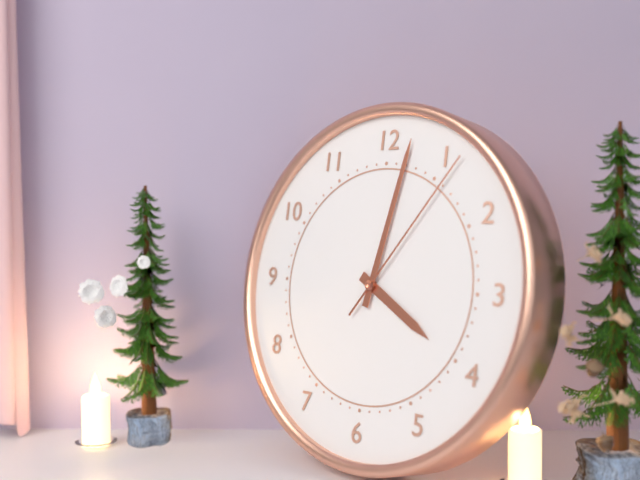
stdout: 4h02m06s
